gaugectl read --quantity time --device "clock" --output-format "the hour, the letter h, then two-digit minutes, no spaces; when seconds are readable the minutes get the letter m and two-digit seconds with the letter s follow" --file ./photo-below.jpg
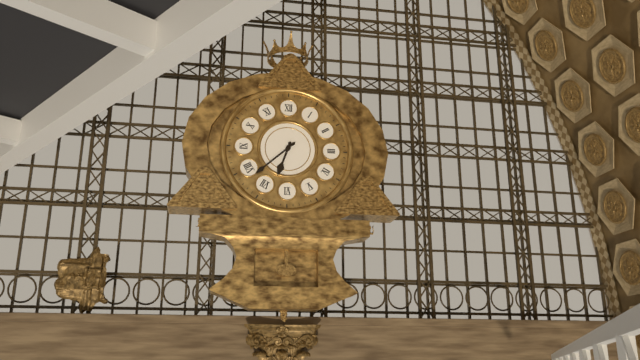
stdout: 6h38
